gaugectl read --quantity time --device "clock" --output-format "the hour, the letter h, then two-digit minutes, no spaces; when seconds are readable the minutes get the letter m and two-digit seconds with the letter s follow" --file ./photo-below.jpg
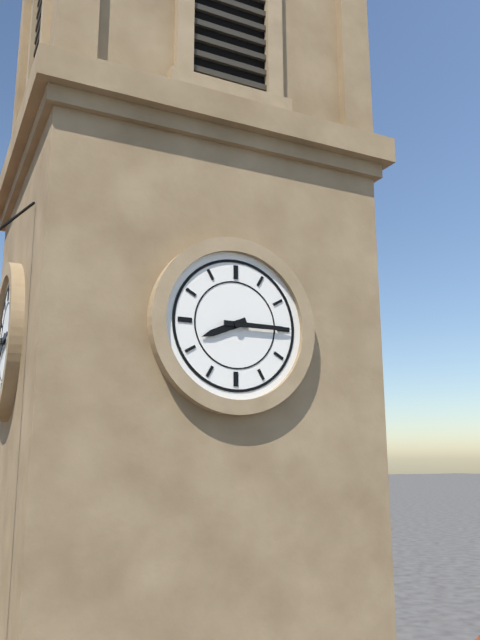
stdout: 8h15
